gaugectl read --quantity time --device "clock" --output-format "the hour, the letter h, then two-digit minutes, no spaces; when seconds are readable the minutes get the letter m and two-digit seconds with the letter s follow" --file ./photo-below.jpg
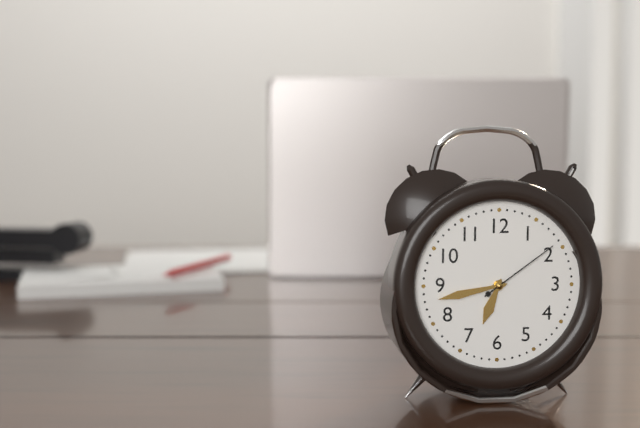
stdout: 6h43m09s
